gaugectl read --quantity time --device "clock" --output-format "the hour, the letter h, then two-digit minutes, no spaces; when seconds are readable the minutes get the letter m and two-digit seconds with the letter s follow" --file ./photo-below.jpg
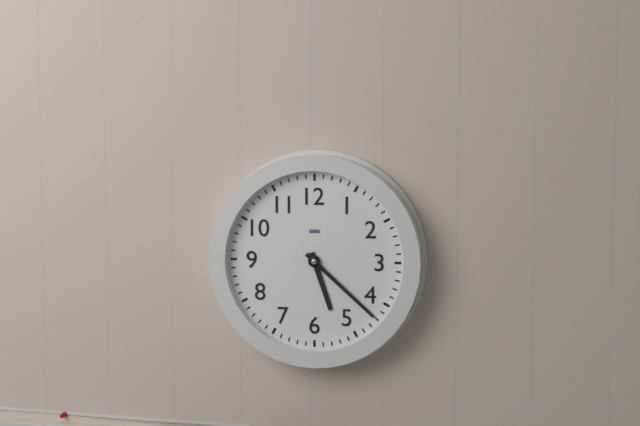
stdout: 5h22
